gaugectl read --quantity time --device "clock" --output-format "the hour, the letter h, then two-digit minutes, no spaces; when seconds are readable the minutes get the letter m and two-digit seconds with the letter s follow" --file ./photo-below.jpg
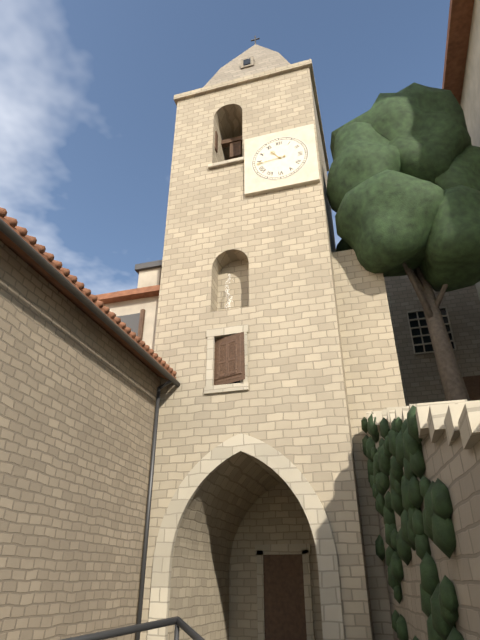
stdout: 10h44
